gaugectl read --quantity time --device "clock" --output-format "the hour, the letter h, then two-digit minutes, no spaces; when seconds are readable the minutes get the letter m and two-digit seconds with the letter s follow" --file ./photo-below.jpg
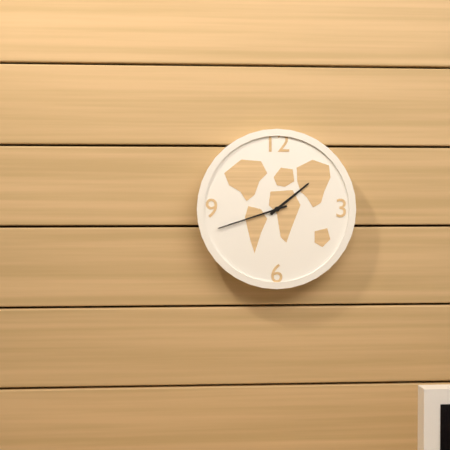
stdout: 1h42
